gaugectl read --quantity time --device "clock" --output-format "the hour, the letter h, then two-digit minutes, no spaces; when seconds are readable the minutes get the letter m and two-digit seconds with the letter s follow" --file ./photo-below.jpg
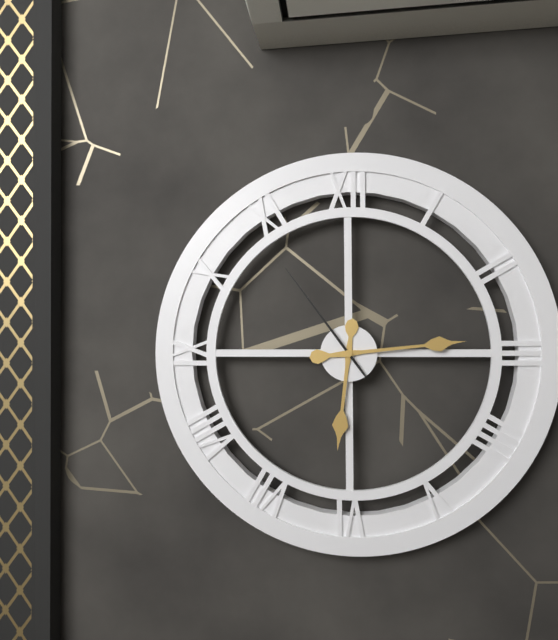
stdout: 6h14m54s
